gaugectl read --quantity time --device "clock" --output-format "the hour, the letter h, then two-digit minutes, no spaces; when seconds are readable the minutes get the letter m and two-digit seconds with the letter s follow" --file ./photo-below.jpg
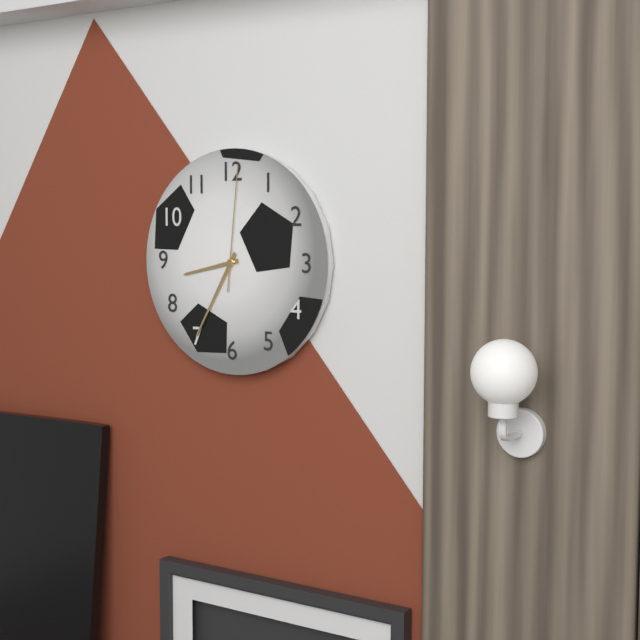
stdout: 8h35m01s
